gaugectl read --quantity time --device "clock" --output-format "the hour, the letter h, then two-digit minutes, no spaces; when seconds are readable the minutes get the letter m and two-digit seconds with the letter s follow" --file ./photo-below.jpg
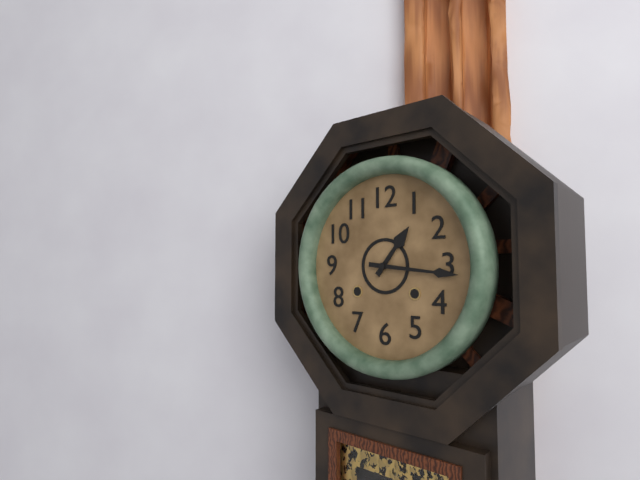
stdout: 1h16
